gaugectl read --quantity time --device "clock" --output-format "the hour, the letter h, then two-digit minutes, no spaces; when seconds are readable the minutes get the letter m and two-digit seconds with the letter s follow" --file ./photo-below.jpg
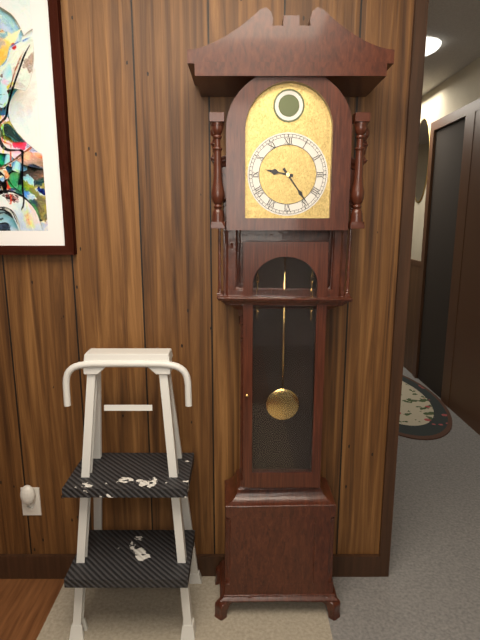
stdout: 9h24
